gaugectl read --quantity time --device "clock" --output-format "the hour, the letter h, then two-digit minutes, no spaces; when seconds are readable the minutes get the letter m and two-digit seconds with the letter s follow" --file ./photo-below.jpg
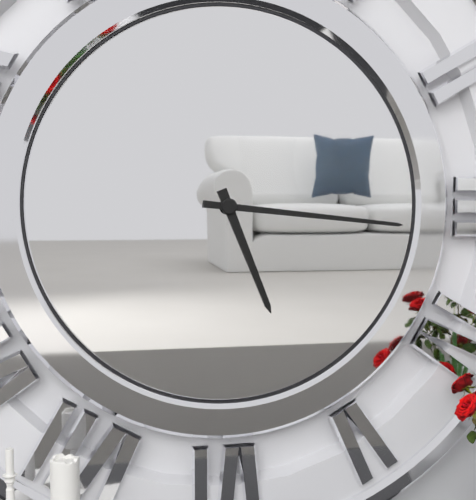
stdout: 5h16
